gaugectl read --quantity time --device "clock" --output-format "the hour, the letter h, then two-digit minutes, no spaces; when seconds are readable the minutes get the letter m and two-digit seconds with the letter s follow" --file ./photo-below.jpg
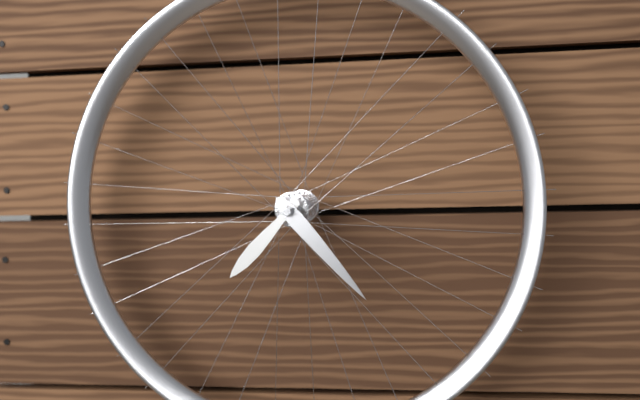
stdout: 7h23
